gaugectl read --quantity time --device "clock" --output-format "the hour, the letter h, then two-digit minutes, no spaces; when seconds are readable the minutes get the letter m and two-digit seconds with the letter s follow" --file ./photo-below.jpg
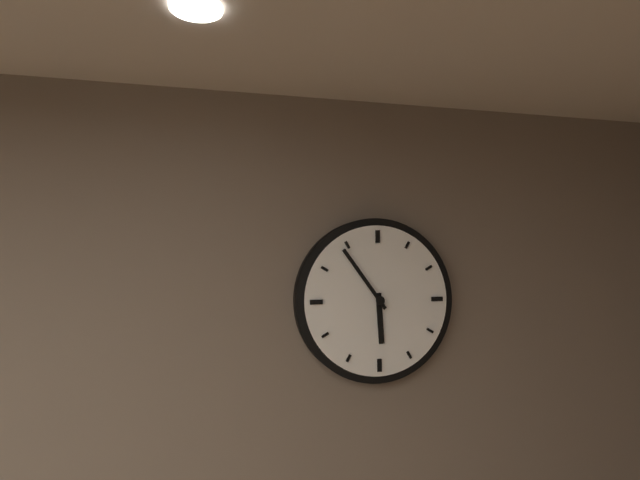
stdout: 5h54
